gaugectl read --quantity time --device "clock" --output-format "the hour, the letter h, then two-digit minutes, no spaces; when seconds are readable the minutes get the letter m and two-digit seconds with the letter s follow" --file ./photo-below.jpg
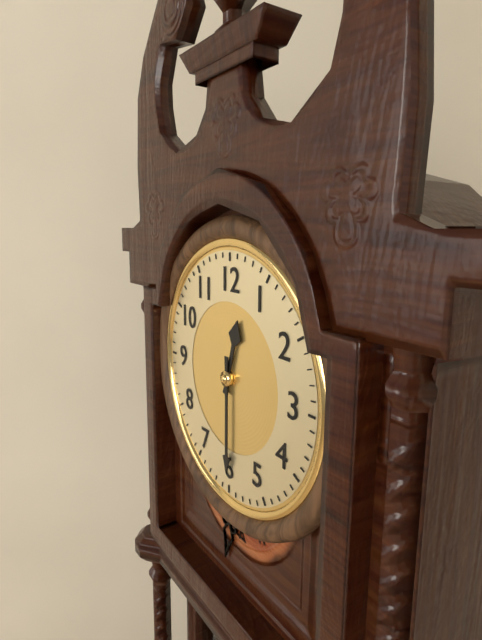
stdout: 12h30
